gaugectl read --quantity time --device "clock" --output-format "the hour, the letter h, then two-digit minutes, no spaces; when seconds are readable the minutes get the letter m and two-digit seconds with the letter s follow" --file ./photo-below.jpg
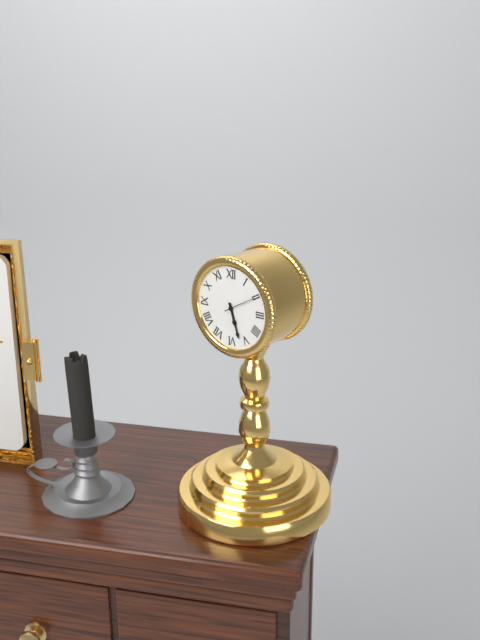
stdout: 5h27
